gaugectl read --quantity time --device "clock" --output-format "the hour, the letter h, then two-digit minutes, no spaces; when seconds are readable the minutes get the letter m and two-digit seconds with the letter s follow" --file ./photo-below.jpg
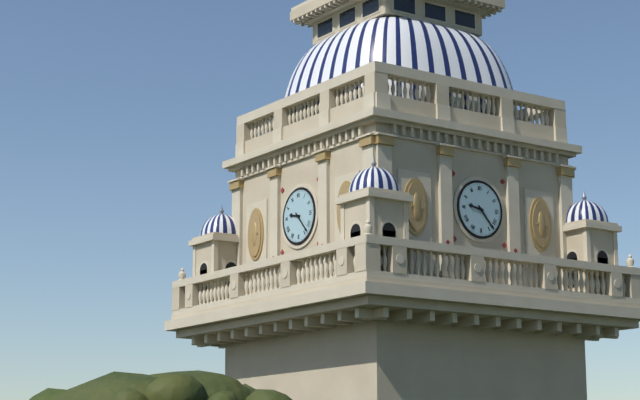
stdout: 9h23
